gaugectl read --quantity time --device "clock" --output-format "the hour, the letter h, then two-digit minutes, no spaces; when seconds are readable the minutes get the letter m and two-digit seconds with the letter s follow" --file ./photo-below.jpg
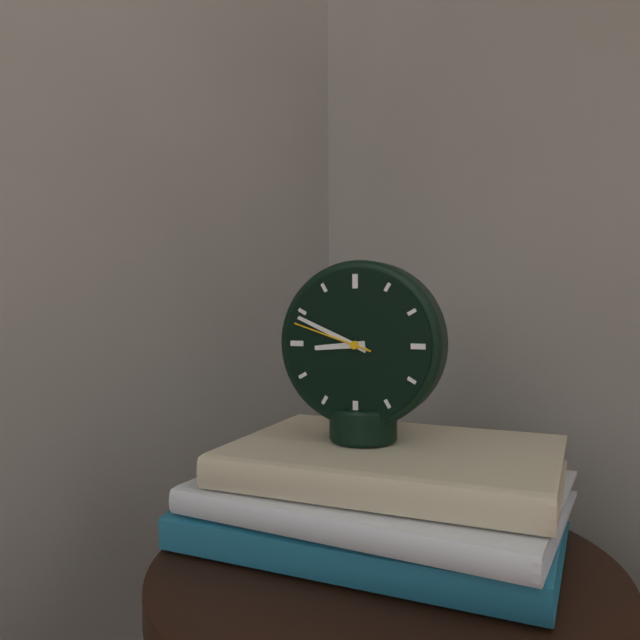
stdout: 8h49m48s
